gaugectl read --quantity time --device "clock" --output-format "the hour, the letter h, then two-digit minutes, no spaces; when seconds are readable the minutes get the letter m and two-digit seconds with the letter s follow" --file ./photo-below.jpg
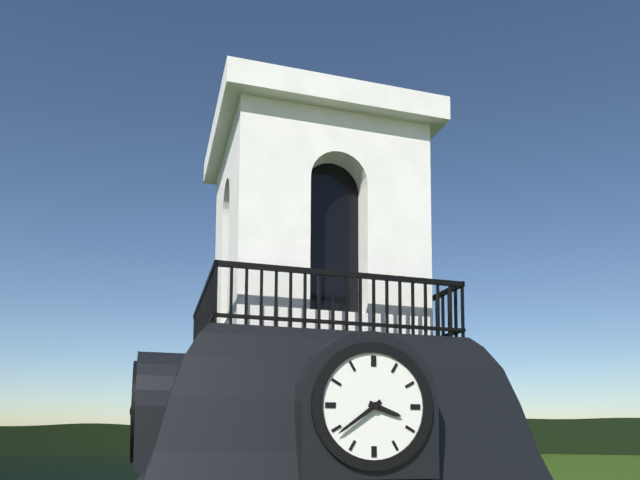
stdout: 3h39
